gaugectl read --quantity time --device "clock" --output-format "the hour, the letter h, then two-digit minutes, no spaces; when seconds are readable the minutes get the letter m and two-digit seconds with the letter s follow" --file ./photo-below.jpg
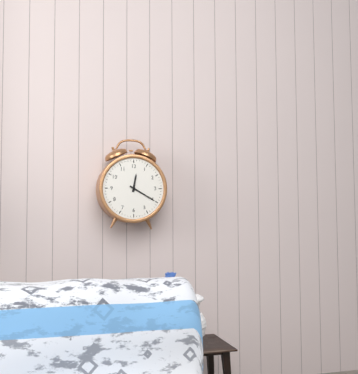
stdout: 12h20
